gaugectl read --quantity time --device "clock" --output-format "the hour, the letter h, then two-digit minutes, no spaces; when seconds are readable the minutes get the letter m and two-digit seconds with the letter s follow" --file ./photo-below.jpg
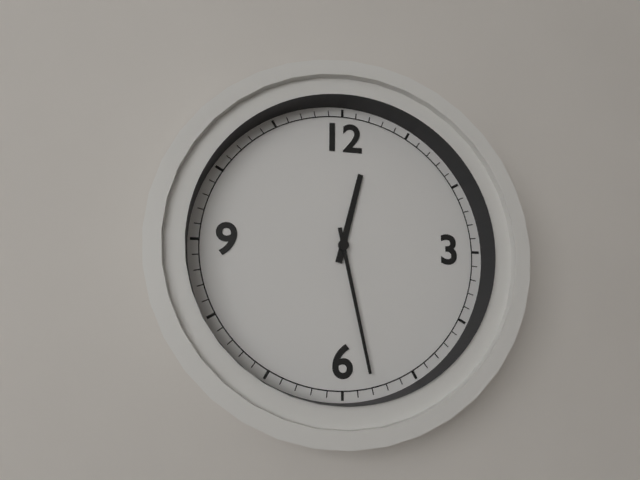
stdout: 12h28
